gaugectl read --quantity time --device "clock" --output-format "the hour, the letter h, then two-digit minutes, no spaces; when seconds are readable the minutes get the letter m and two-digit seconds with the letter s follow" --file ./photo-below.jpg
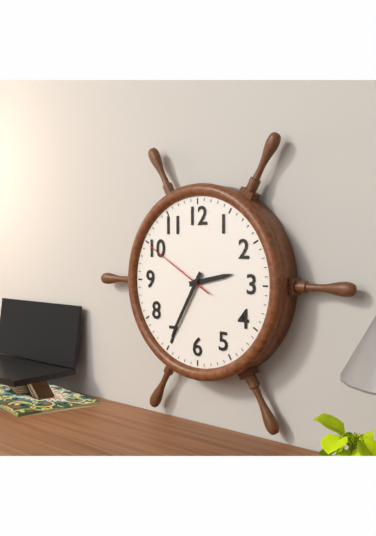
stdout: 2h35m50s
